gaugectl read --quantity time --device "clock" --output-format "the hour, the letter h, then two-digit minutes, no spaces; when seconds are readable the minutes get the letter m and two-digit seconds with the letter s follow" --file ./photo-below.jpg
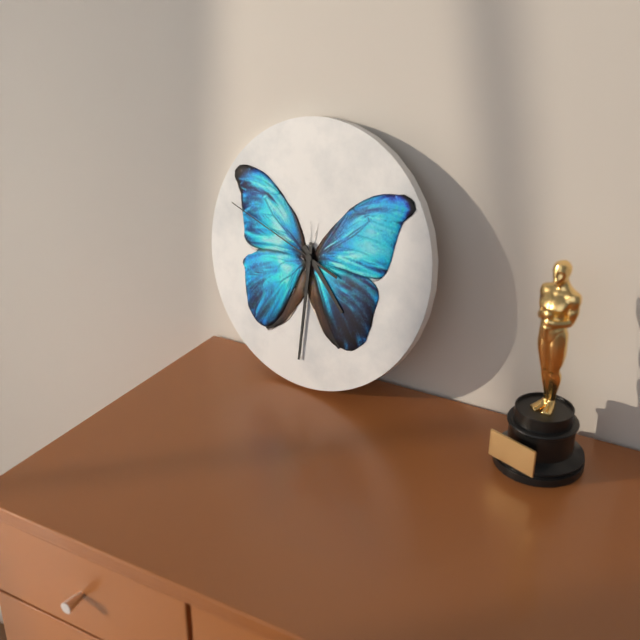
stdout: 4h30m48s
